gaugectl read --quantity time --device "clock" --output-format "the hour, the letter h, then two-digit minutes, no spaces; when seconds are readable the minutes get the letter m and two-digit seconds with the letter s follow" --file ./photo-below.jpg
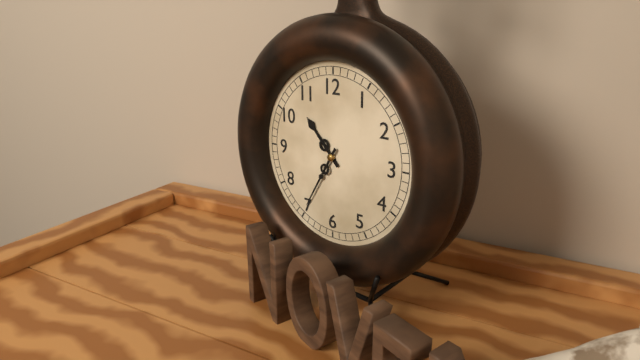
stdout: 10h35
